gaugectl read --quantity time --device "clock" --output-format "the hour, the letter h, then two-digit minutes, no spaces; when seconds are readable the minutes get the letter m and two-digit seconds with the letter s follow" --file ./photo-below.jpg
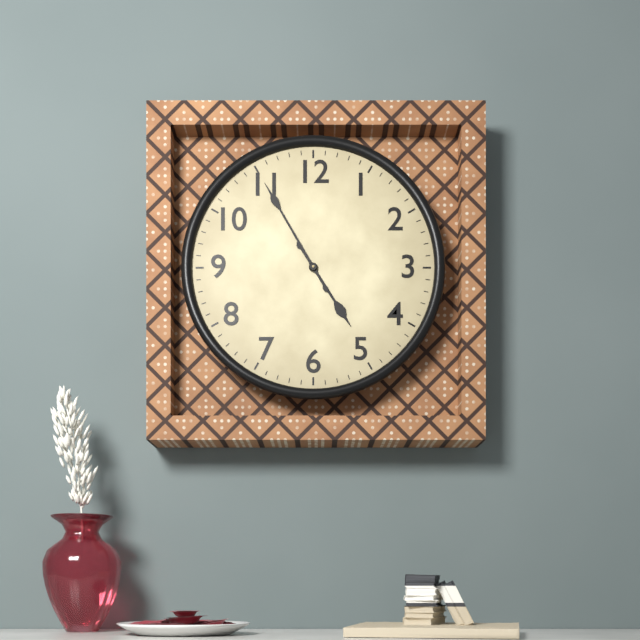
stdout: 4h55
